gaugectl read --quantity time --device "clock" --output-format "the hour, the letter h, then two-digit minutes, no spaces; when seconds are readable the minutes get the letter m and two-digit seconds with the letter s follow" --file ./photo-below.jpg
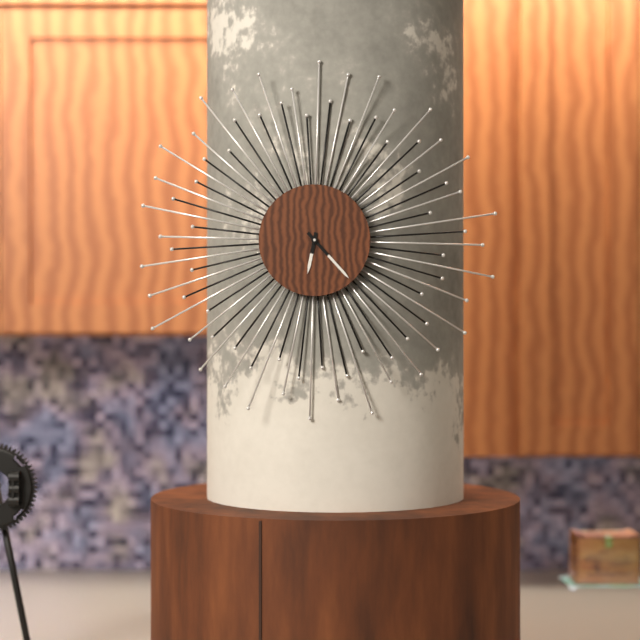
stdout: 6h23
